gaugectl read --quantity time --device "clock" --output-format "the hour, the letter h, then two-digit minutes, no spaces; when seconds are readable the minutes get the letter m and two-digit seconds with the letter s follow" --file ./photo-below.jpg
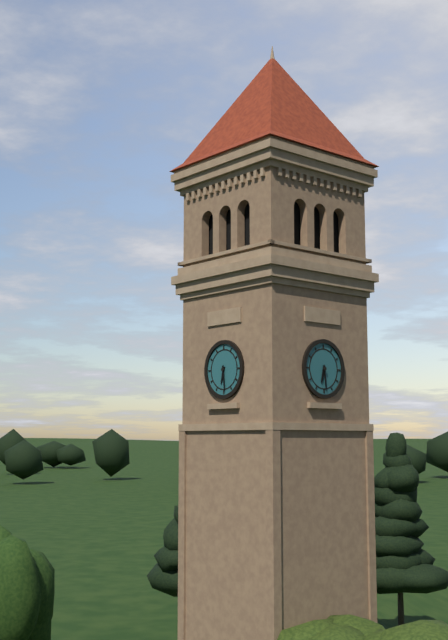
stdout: 6h29
